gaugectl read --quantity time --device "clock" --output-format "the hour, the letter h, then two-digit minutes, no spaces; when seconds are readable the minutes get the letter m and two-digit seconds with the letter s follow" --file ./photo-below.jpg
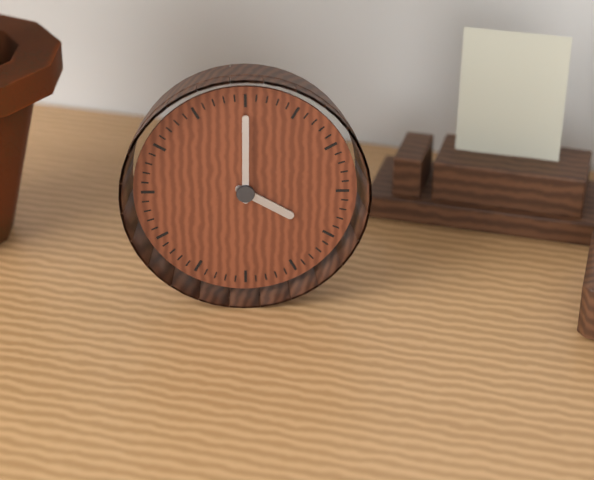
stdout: 4h00
